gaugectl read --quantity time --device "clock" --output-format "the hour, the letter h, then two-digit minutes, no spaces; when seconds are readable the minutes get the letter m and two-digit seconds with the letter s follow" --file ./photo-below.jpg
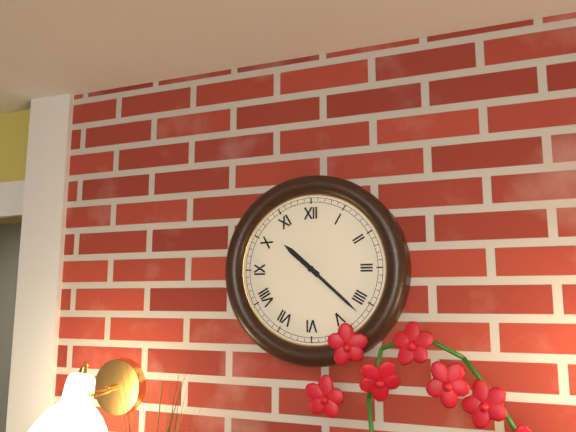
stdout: 10h22
